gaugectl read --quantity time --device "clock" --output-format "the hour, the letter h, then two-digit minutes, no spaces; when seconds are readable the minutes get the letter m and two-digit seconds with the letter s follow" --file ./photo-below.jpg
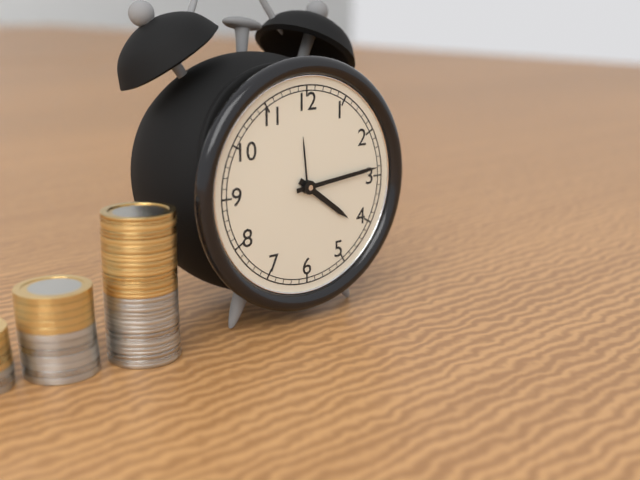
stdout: 4h14
